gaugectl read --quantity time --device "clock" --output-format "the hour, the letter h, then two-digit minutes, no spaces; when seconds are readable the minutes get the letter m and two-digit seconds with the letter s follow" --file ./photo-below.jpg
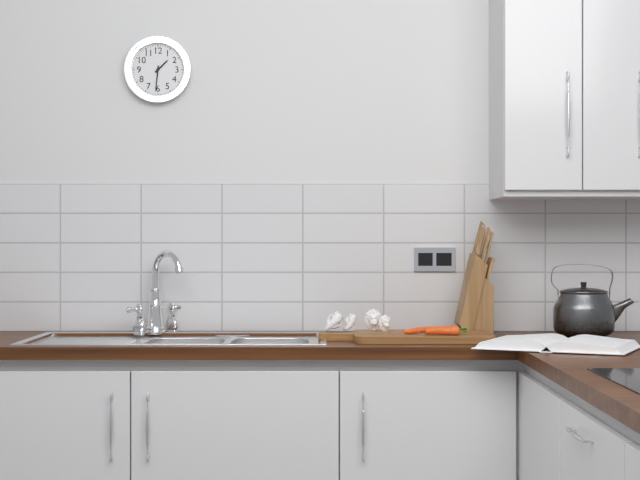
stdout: 1h31
